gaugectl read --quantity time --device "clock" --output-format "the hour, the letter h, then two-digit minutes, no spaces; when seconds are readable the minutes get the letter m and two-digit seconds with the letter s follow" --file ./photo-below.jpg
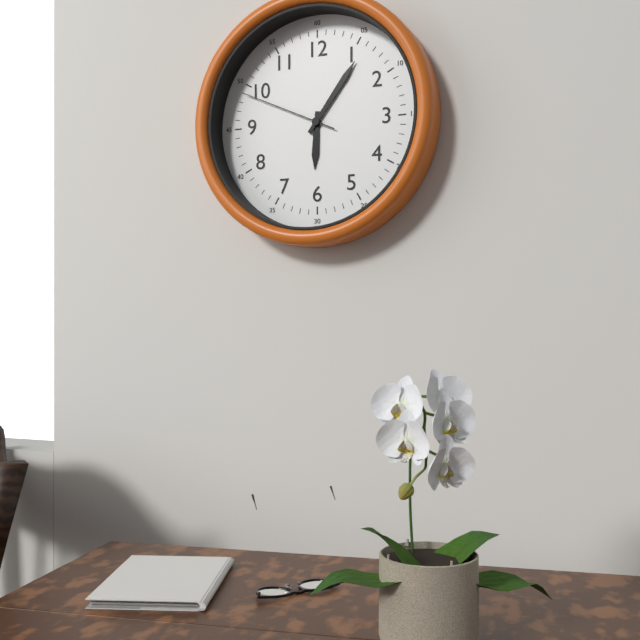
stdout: 6h06m49s
